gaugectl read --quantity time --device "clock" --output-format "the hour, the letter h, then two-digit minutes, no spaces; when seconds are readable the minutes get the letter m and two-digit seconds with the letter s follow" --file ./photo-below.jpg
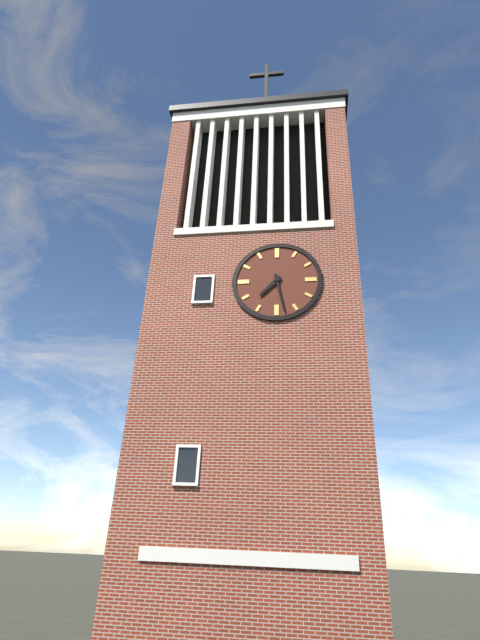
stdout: 7h28
